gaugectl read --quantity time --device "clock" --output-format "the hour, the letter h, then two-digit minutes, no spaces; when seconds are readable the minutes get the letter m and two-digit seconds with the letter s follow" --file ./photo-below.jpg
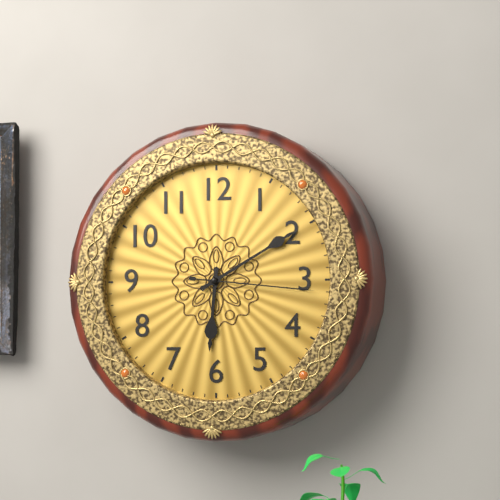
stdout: 6h10m16s
